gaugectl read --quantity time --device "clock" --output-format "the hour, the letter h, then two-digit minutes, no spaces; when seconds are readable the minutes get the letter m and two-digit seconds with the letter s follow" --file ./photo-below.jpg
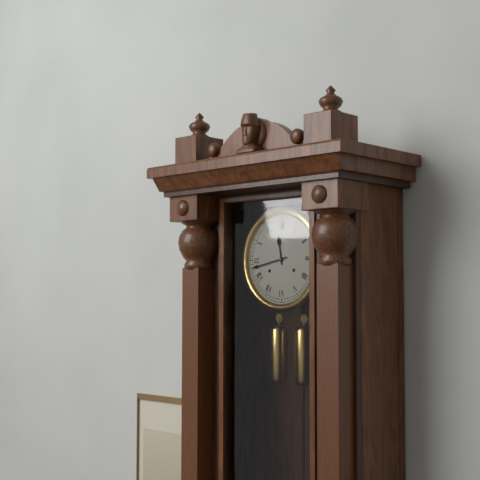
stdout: 11h43
